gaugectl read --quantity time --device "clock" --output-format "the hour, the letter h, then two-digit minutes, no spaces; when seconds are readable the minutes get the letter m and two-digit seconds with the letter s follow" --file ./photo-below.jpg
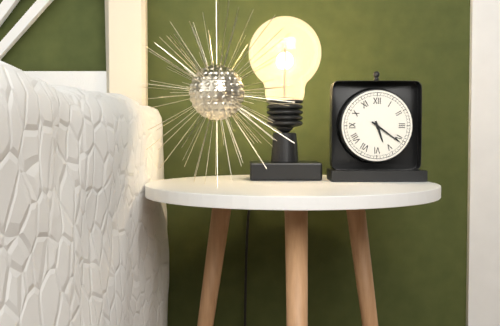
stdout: 5h21
